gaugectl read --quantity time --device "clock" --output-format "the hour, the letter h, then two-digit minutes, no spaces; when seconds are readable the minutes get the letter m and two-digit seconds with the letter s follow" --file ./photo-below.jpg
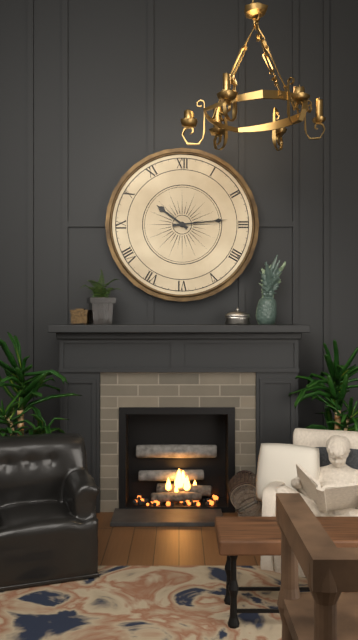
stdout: 10h14
